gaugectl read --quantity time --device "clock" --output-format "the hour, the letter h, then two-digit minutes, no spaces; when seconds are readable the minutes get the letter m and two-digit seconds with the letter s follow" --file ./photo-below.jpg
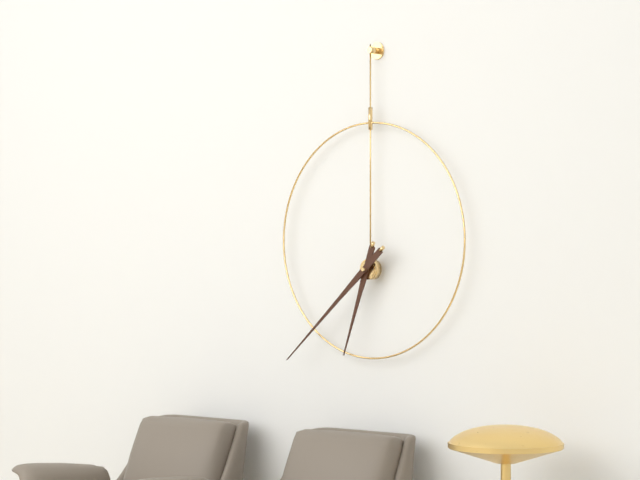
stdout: 6h38
